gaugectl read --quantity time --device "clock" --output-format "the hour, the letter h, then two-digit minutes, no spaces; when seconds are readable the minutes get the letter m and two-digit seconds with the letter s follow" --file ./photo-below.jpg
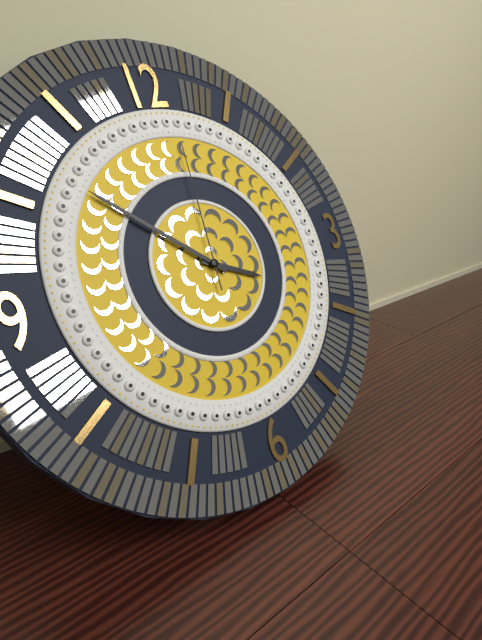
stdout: 3h52m01s
